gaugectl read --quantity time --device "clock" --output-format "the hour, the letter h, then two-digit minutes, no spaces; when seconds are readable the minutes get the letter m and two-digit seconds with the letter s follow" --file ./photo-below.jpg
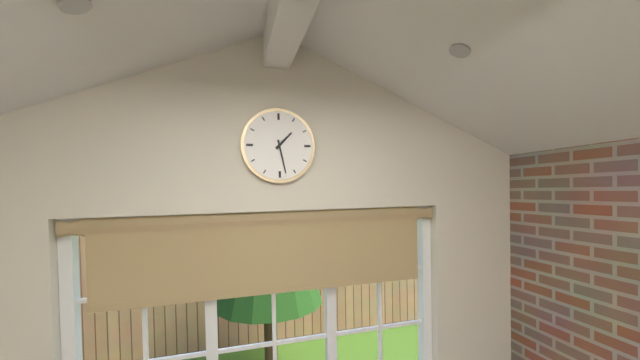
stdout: 1h28
